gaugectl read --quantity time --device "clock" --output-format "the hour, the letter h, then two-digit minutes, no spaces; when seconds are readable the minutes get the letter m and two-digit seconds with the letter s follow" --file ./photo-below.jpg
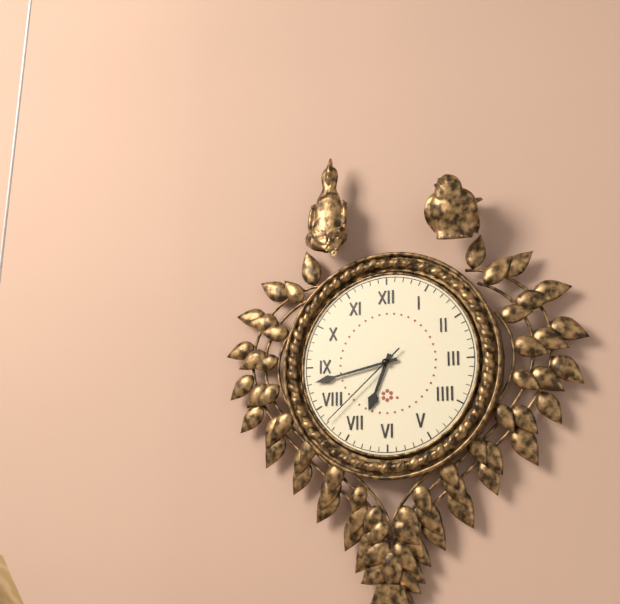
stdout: 6h43m38s
